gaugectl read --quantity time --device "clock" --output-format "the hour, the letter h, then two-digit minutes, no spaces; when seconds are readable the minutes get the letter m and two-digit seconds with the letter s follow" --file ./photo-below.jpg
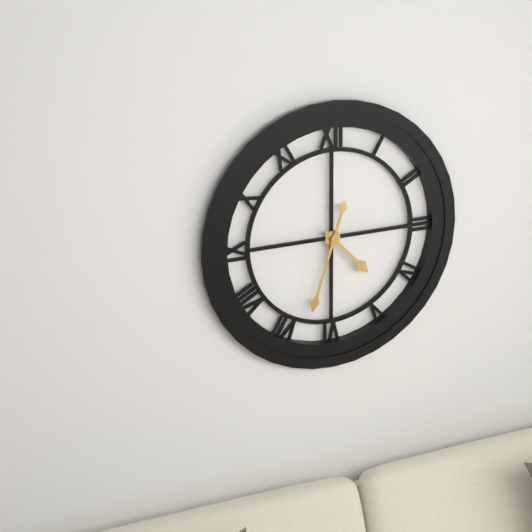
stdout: 4h33
